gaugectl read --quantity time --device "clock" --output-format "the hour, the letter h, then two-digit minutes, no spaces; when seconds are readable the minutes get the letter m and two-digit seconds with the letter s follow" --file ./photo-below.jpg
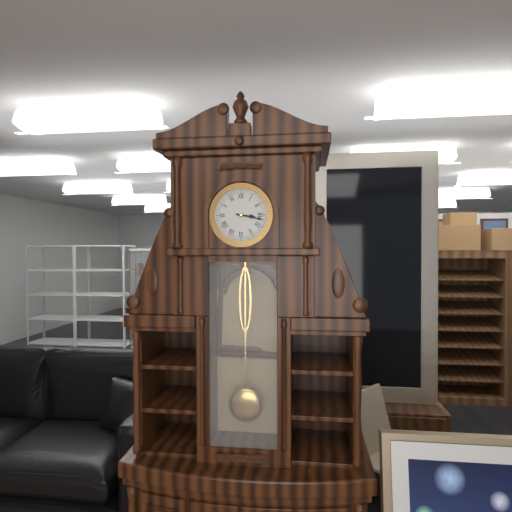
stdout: 3h17
